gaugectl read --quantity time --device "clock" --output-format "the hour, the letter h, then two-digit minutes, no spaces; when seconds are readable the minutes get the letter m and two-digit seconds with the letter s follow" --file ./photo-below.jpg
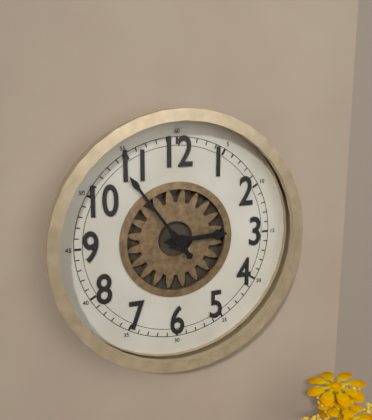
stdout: 2h54
